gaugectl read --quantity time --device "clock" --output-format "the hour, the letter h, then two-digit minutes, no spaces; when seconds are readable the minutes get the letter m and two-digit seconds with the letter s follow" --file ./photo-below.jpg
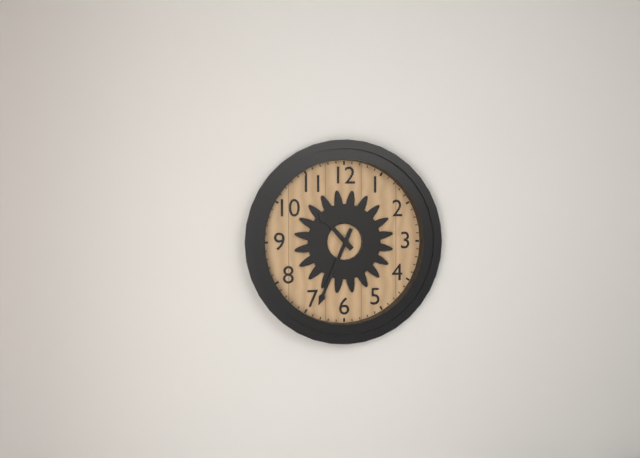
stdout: 10h34
